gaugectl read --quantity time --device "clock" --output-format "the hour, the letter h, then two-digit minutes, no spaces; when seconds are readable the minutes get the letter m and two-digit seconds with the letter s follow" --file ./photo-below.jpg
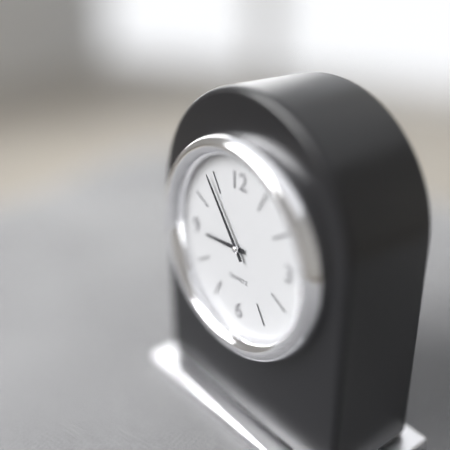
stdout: 8h54
